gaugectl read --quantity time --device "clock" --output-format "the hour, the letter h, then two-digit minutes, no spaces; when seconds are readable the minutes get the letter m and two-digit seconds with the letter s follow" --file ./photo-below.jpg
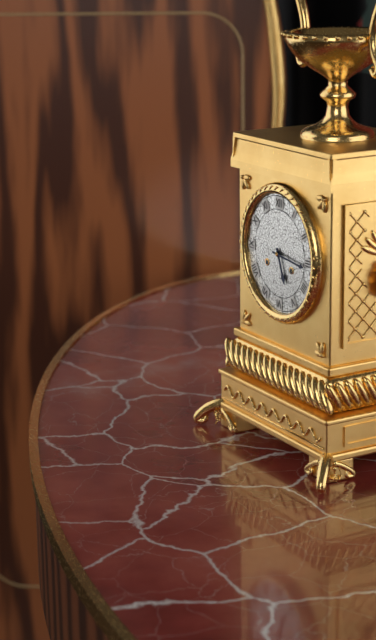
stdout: 5h16
